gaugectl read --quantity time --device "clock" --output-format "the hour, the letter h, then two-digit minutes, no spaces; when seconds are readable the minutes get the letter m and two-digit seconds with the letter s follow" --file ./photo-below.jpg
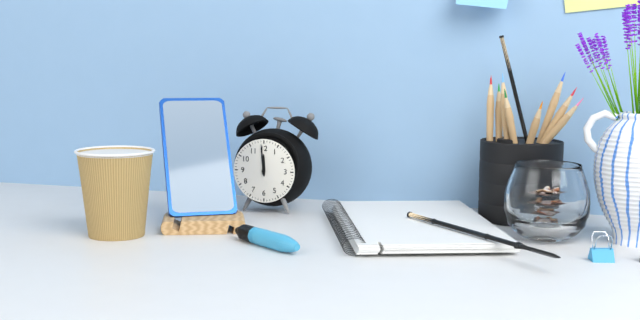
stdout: 11h59
